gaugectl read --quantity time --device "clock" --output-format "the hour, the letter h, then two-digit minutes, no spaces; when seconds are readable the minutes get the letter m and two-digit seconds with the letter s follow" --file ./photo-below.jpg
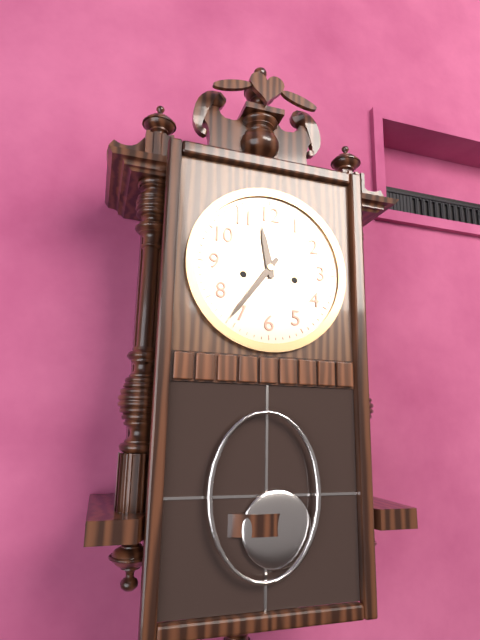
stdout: 11h36
